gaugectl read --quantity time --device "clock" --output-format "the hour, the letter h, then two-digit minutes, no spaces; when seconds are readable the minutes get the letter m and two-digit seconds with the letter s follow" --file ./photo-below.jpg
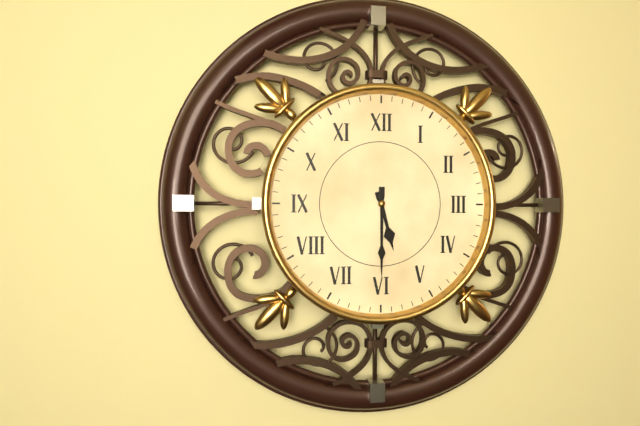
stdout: 5h30
